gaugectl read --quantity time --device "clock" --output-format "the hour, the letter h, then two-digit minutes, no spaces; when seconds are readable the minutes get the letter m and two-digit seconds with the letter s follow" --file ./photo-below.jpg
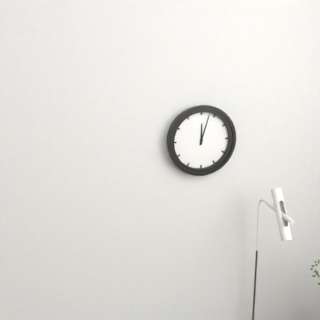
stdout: 12h03
